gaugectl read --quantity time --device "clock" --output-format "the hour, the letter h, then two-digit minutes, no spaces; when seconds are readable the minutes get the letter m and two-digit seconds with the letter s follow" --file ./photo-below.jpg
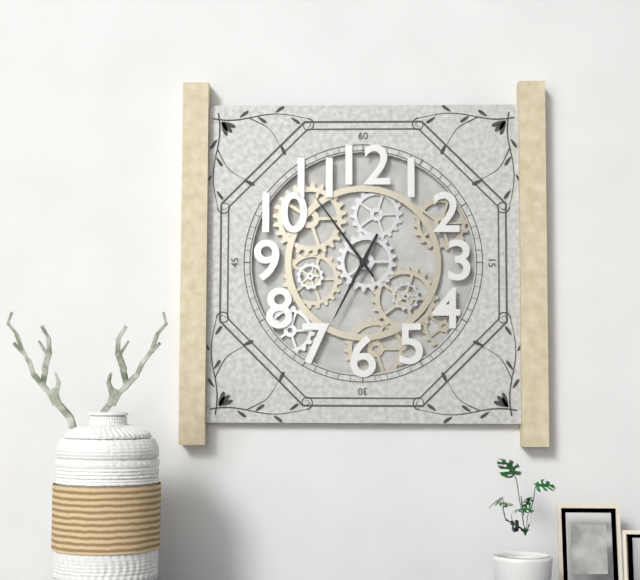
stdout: 6h54
